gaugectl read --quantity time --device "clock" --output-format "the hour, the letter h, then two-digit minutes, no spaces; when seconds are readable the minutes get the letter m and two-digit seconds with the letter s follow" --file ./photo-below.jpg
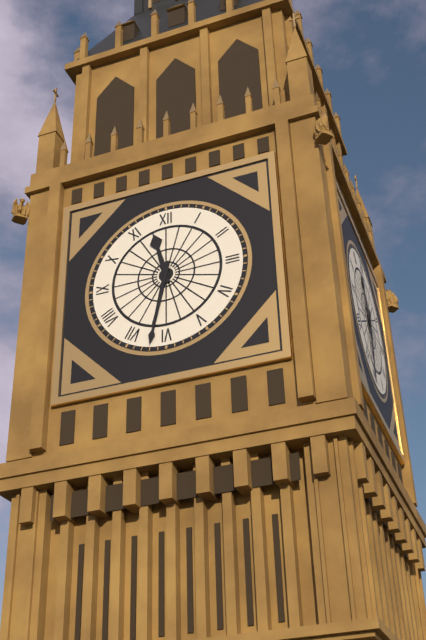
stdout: 11h32
